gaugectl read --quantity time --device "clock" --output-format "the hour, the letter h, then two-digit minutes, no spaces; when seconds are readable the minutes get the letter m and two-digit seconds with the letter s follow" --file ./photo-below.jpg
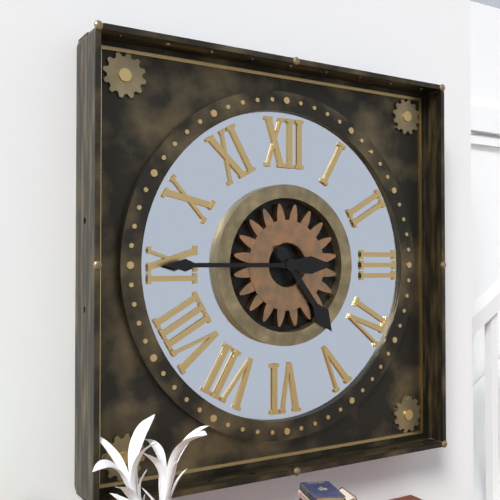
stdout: 4h45
